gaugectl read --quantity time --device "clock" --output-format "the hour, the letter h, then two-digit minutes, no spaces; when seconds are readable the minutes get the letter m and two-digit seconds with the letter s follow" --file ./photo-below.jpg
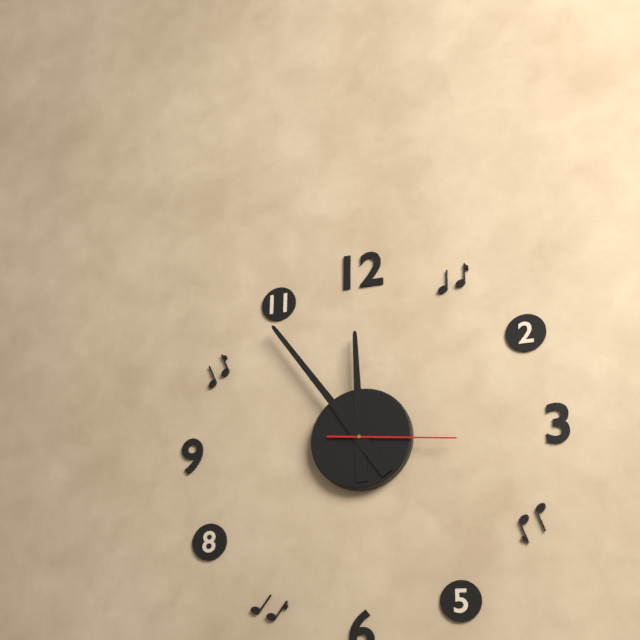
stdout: 11h54m16s
